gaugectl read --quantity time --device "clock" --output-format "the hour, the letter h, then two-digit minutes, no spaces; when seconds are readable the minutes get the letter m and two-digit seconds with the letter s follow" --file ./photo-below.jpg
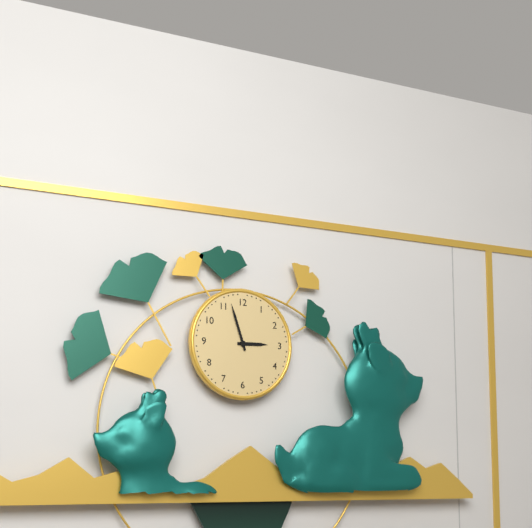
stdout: 2h57
